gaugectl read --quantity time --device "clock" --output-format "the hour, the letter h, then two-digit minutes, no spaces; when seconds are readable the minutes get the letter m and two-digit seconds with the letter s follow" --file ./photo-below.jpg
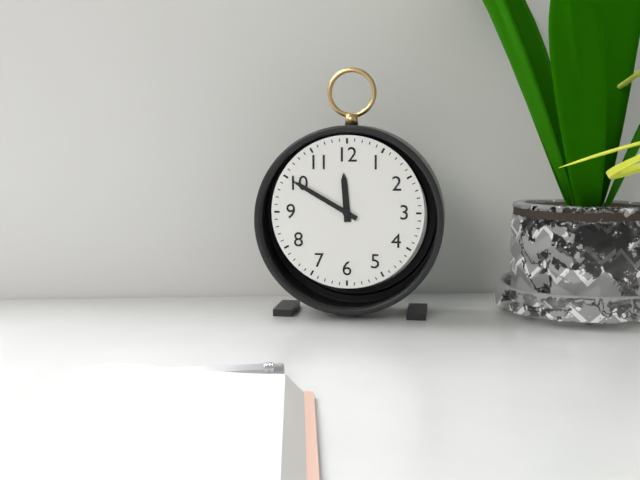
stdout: 11h50
